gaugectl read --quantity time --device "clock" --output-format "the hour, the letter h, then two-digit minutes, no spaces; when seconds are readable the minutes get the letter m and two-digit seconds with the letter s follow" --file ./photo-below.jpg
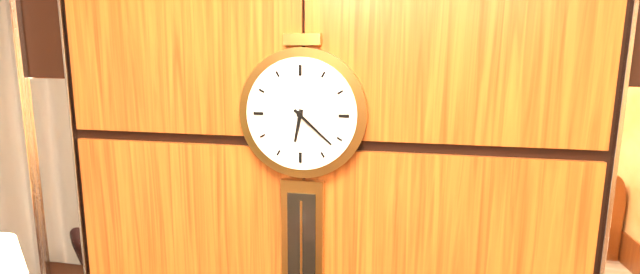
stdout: 6h22
